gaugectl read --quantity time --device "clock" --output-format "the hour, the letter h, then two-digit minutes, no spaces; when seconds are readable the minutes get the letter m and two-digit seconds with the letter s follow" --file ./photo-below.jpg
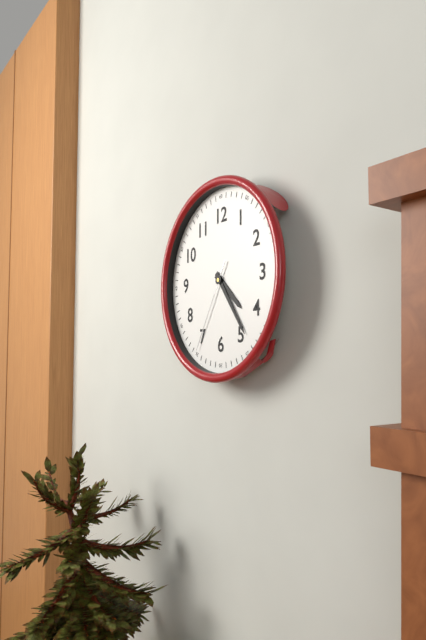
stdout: 4h24m35s
